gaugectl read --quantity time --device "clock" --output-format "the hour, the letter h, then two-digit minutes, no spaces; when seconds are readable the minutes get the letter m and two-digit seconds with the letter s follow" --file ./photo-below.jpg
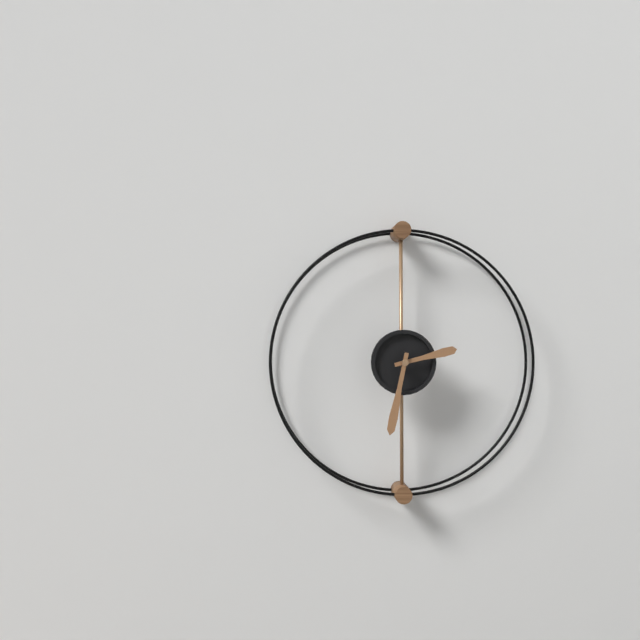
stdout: 2h32
